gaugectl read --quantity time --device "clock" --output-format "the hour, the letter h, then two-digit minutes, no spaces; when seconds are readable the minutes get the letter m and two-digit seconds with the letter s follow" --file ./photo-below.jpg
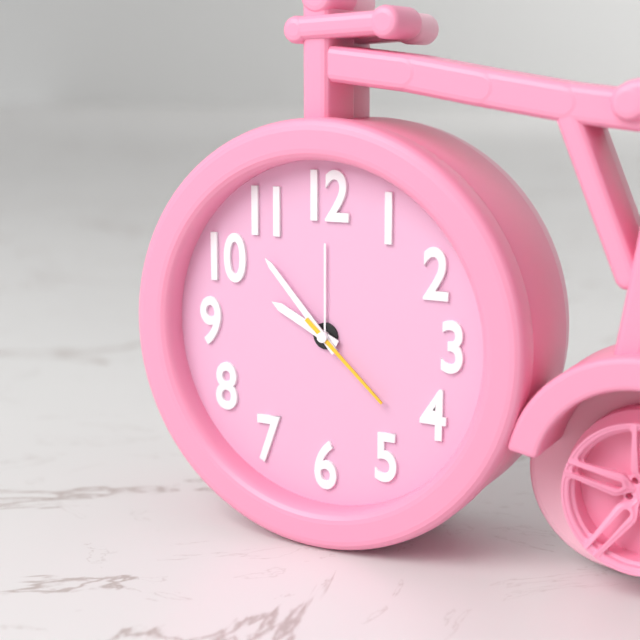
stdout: 9h53m22s
